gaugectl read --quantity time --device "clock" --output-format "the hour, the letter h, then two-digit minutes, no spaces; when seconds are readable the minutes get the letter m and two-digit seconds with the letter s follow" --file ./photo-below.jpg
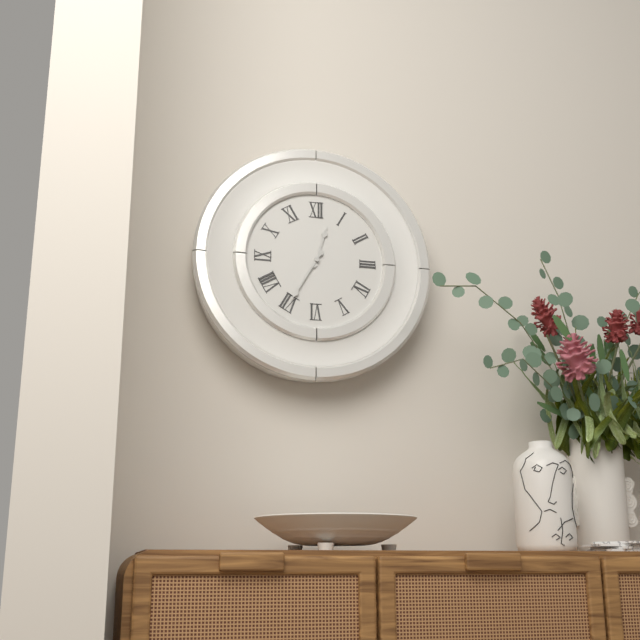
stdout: 12h35
